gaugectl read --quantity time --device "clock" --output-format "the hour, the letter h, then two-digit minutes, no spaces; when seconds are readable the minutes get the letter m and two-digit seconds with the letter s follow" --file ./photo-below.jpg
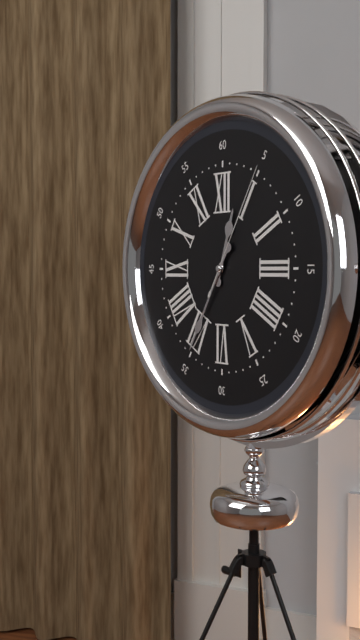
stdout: 12h35m05s
